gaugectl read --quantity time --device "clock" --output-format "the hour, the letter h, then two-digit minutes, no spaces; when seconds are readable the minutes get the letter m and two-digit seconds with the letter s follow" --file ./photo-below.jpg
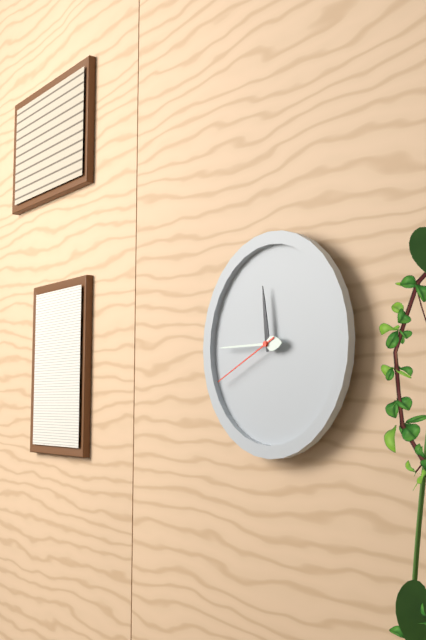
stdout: 11h45m41s
